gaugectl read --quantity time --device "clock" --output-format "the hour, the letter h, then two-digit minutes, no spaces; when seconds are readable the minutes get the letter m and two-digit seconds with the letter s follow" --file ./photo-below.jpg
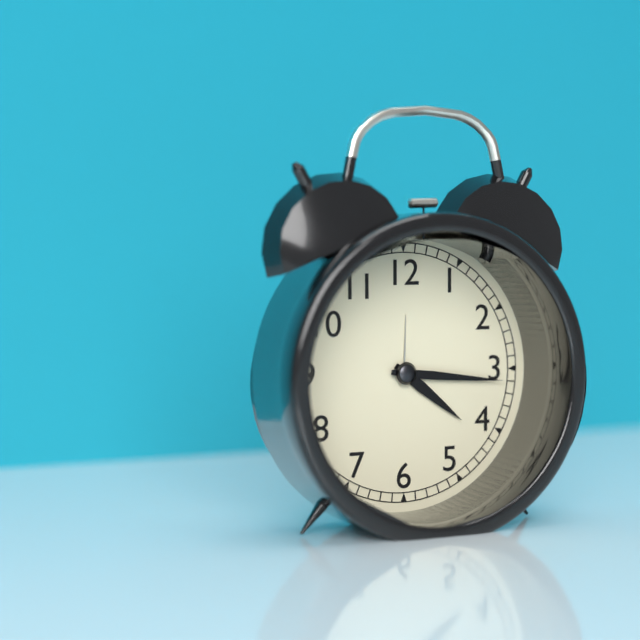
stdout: 4h16
